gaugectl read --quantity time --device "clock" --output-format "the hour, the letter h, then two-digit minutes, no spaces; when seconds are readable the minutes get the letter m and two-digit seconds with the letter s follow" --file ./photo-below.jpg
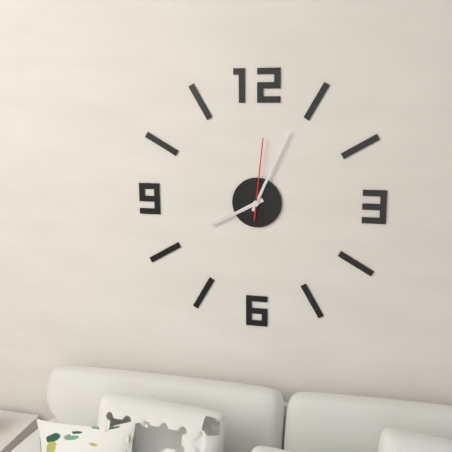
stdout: 8h04m01s
